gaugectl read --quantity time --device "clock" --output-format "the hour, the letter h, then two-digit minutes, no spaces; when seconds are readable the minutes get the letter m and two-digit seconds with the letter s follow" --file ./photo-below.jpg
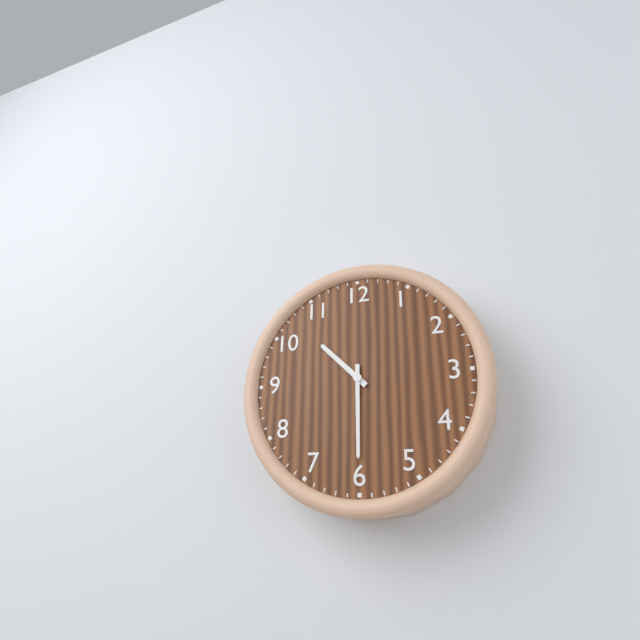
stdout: 10h30
